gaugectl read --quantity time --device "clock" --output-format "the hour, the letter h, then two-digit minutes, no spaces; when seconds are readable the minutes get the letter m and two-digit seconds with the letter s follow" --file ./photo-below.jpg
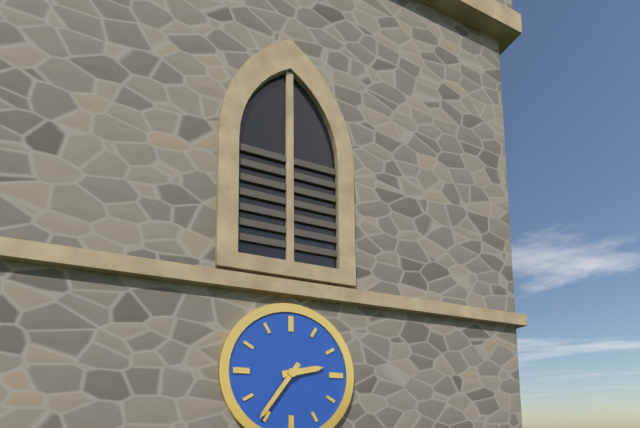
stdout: 2h36
